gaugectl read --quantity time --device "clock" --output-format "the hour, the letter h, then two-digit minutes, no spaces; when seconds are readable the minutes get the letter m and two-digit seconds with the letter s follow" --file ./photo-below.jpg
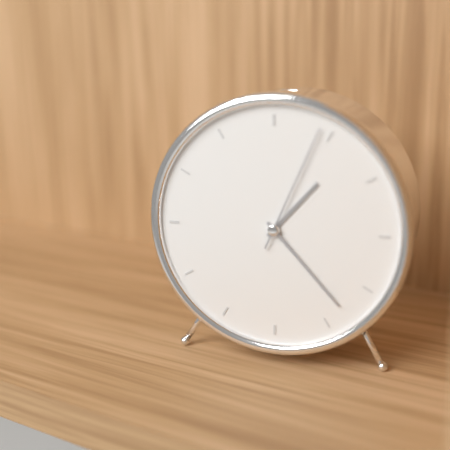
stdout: 1h23m04s
